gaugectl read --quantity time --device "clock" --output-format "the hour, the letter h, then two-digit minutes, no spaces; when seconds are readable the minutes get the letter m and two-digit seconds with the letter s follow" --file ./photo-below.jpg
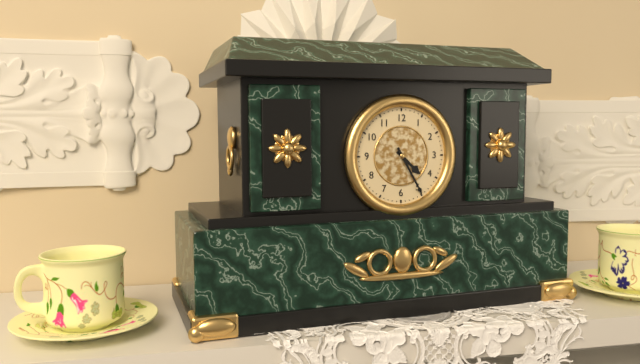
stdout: 4h25
